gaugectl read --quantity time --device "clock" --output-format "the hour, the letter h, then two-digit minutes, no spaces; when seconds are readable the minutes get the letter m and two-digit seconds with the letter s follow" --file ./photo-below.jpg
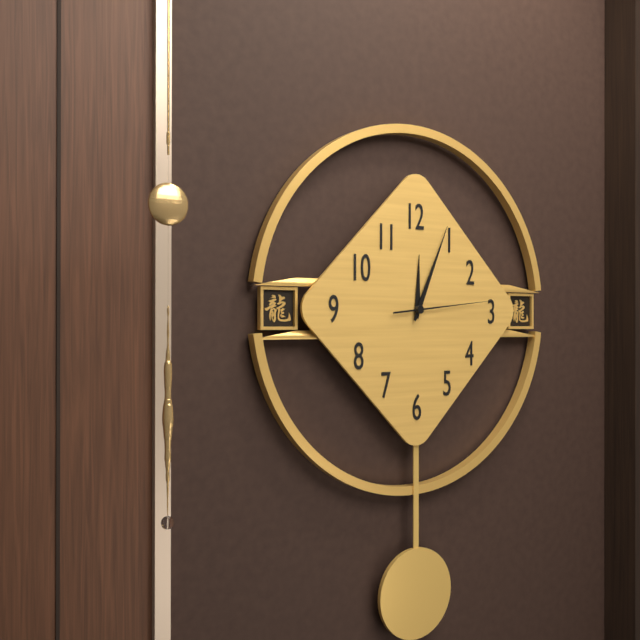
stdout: 12h04m14s
